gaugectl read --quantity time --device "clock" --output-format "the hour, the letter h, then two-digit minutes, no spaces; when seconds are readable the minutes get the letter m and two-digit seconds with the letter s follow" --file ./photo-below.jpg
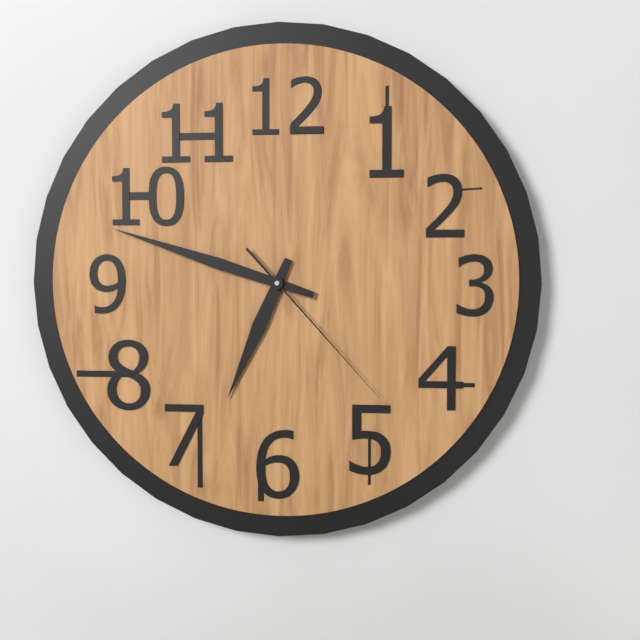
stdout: 6h48m23s
